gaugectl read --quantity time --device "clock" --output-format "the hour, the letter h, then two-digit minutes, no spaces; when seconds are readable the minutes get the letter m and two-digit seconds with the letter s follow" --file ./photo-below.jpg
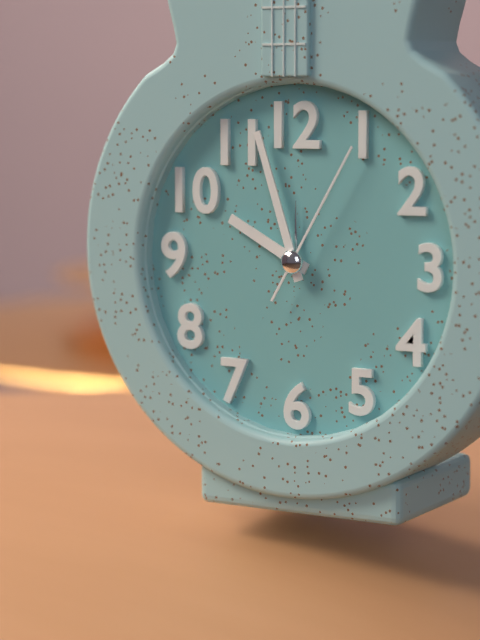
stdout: 9h57m05s
